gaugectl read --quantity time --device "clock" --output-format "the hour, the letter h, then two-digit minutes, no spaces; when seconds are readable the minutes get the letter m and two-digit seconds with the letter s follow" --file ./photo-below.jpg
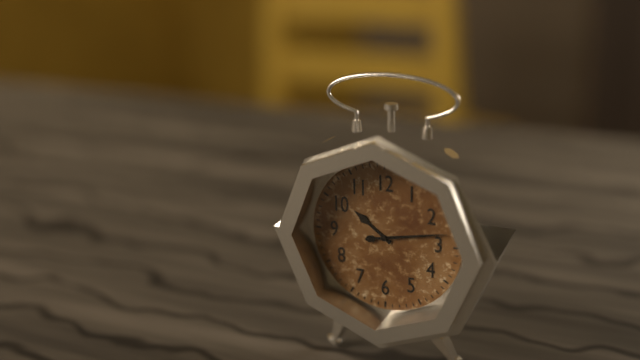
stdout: 10h13
